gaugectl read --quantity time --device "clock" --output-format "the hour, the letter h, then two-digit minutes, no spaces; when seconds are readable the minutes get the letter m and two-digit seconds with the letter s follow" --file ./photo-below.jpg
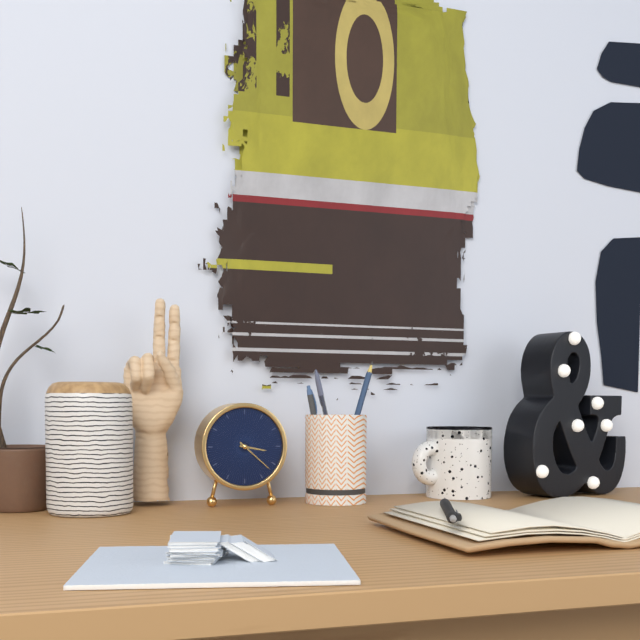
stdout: 3h22
